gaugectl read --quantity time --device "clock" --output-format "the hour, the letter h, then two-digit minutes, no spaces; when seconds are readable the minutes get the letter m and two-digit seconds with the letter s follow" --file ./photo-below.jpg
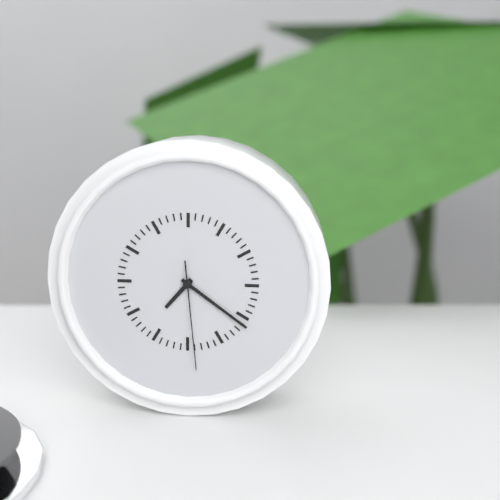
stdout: 7h21m29s
